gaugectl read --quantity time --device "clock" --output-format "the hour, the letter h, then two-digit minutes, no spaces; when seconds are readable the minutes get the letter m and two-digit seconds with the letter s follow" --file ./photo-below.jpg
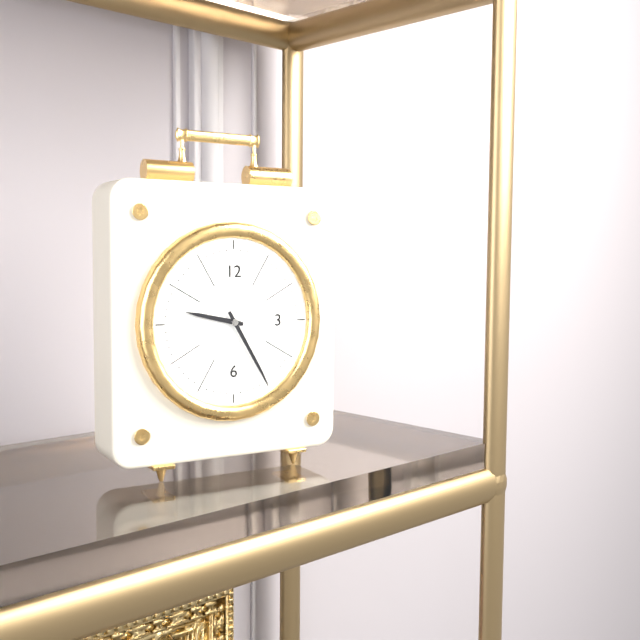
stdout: 9h25
